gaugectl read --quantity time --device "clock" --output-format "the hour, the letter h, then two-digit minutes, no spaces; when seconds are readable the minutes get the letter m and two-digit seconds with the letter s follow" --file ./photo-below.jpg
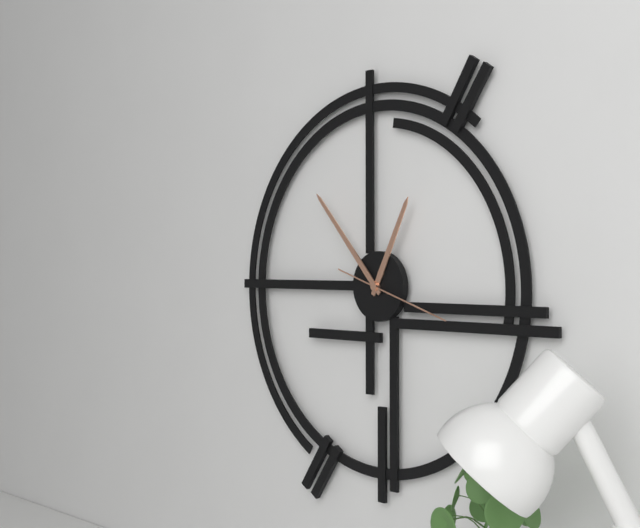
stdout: 12h53m18s
